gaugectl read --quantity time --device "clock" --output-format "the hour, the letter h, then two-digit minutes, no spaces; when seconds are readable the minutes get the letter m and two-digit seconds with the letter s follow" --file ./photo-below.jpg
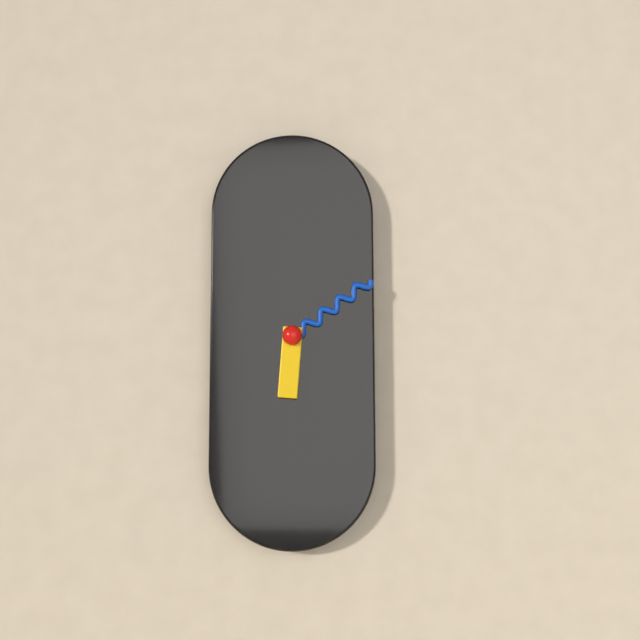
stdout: 6h09
